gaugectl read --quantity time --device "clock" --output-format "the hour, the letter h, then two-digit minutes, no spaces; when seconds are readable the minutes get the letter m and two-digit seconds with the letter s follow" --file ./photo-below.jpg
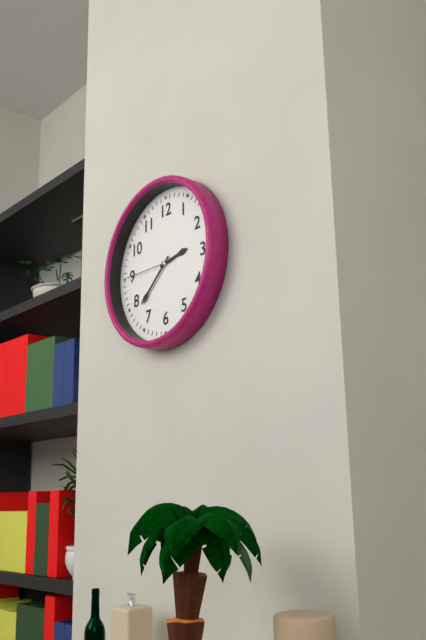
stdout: 2h38m45s
